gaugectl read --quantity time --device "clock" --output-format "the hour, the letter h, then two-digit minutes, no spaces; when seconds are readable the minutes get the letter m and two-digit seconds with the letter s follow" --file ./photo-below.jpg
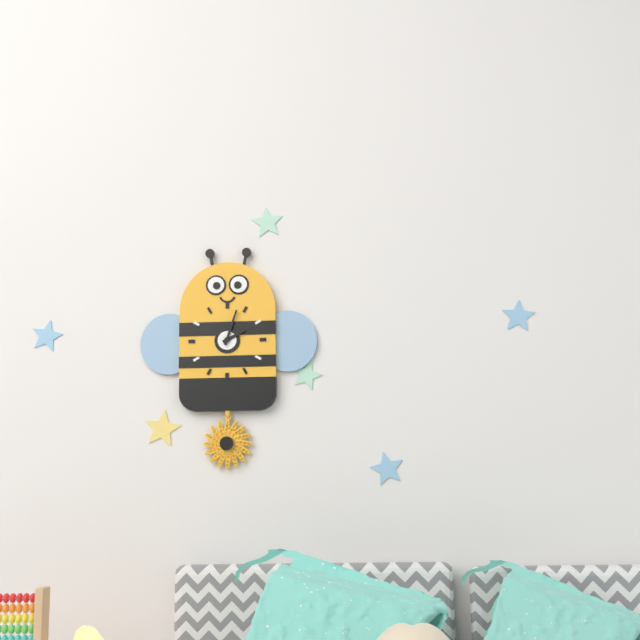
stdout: 2h03
